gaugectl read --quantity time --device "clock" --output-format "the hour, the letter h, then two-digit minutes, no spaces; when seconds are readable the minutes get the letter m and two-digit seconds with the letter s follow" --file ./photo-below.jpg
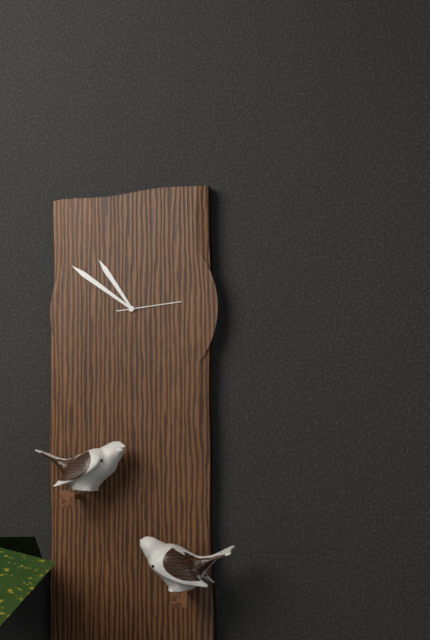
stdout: 10h51m14s
